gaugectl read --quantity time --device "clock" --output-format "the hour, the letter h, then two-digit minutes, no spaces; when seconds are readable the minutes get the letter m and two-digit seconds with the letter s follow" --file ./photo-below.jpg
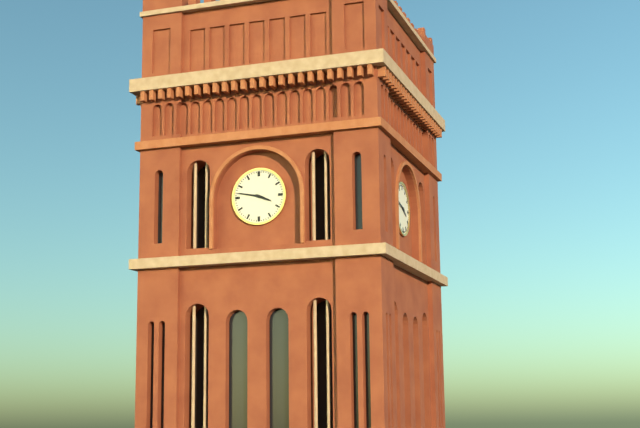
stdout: 3h47
